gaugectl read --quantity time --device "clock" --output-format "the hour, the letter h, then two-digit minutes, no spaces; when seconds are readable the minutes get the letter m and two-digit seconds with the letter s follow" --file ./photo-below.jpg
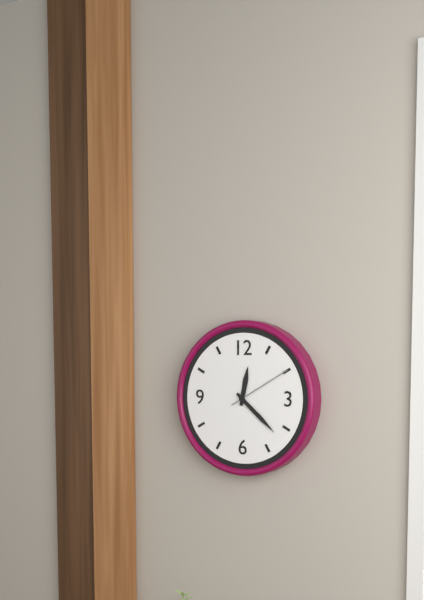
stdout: 12h22m10s
